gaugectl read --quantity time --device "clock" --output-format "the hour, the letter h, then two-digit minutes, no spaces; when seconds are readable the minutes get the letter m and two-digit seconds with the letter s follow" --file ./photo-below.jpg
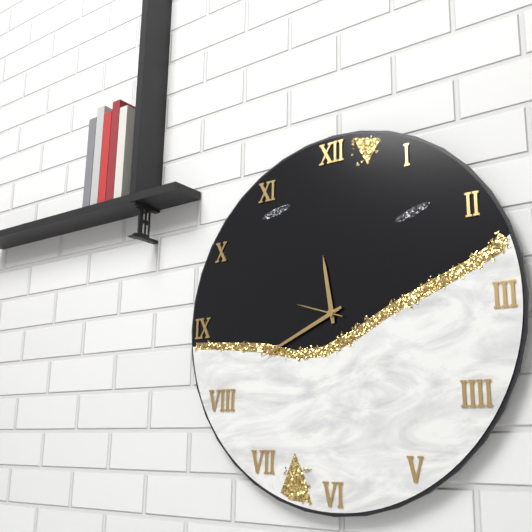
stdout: 11h41m48s
